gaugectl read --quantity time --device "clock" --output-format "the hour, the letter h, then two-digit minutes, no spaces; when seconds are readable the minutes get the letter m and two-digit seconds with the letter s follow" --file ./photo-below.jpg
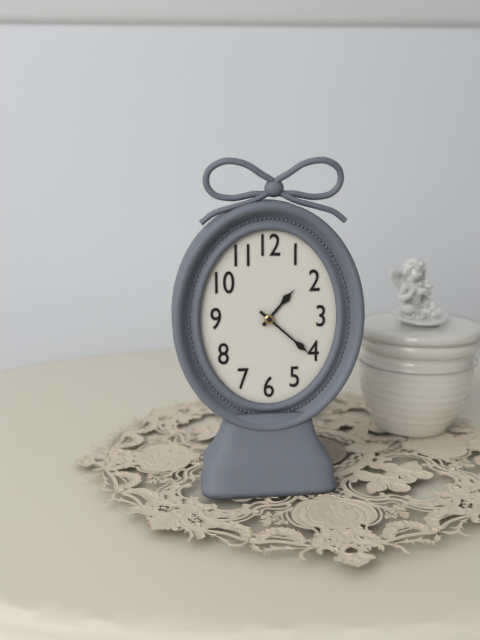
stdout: 1h22
